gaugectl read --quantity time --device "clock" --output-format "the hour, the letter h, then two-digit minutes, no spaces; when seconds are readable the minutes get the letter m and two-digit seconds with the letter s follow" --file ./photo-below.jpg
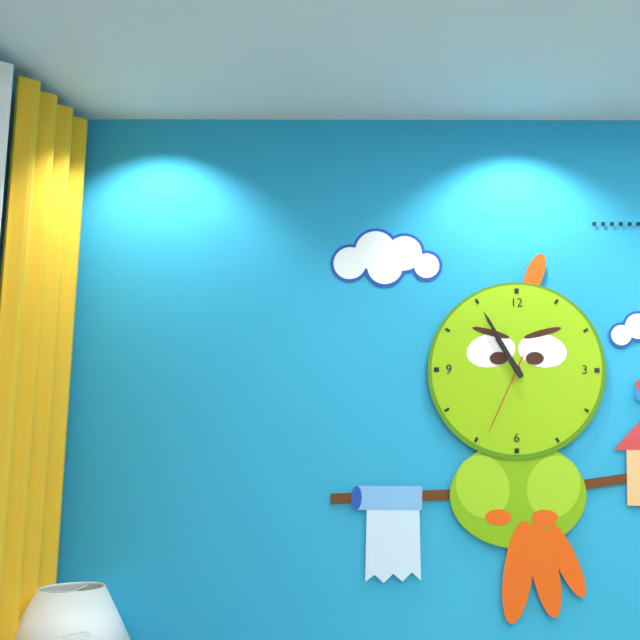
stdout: 10h55m34s
